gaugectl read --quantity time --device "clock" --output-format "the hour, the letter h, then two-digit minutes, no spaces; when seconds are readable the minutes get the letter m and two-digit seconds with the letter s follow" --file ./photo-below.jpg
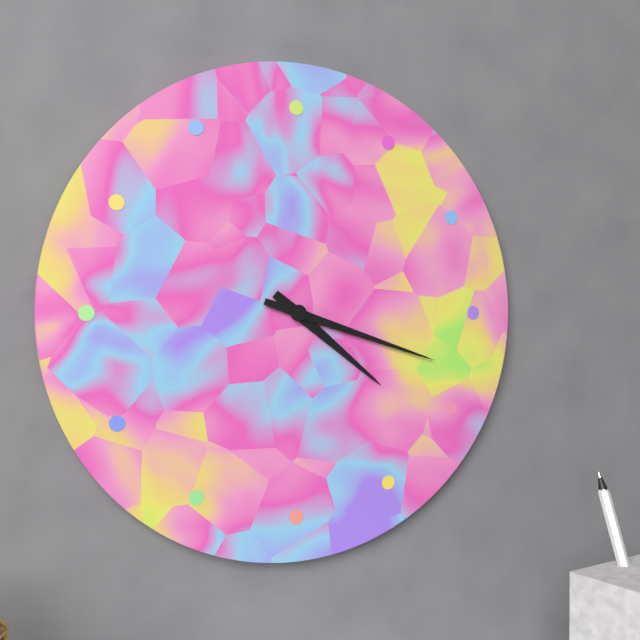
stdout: 4h18
